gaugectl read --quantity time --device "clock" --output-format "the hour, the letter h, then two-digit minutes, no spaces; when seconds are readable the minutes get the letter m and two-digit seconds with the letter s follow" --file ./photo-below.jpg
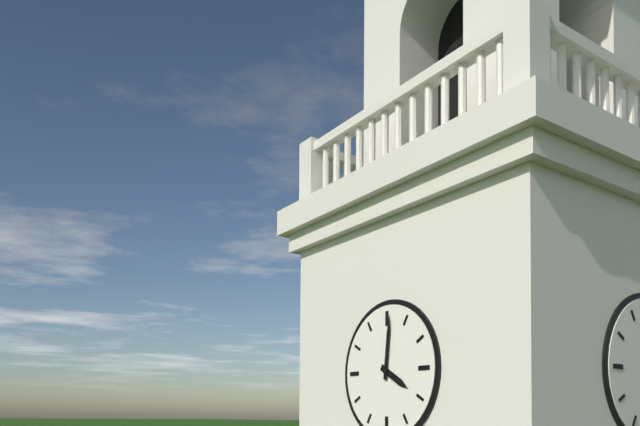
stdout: 4h01
